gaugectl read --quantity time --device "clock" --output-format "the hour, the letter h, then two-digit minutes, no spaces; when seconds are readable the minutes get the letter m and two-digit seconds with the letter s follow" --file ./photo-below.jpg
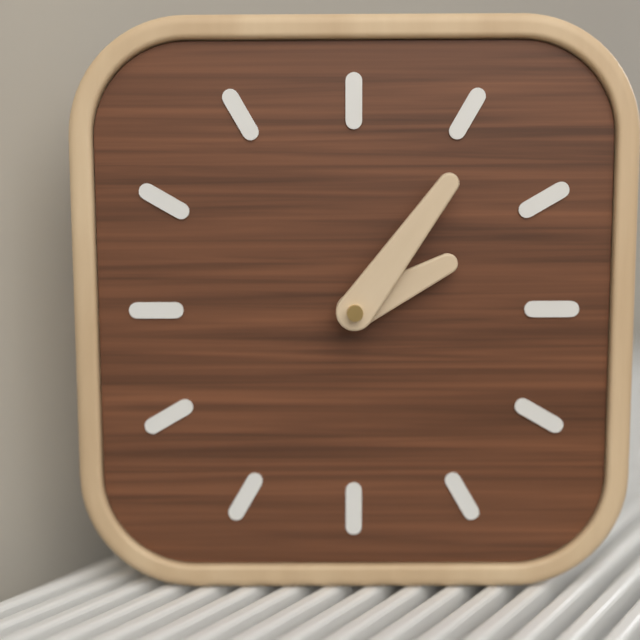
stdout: 2h06
